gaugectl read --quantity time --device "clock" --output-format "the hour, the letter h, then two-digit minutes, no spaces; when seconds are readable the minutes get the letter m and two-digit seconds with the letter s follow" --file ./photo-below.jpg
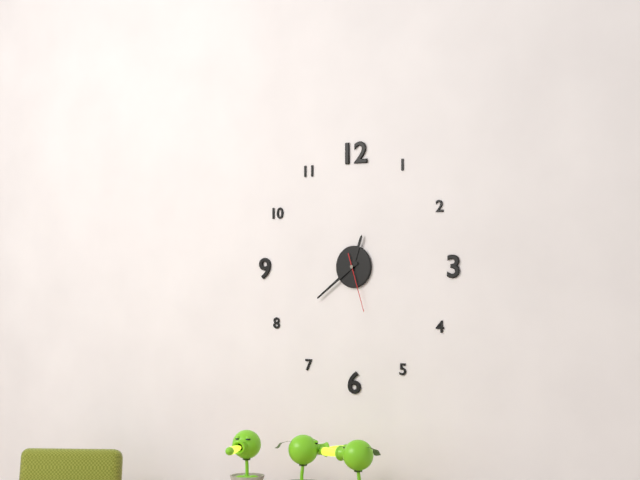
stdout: 12h39m27s
